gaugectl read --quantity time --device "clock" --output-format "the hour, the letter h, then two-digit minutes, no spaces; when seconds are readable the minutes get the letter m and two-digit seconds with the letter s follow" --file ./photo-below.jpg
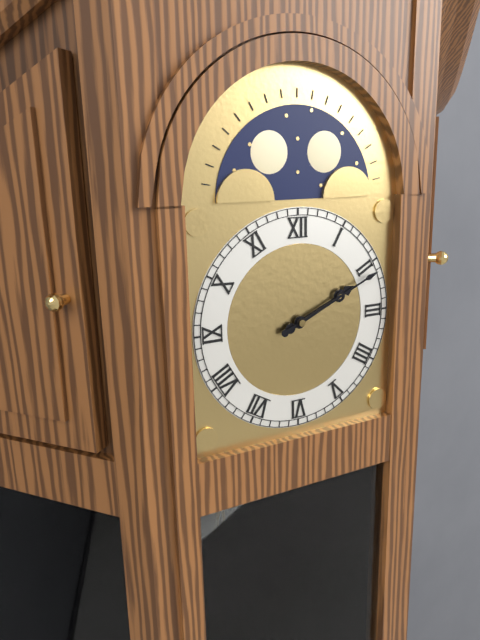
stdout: 2h11
